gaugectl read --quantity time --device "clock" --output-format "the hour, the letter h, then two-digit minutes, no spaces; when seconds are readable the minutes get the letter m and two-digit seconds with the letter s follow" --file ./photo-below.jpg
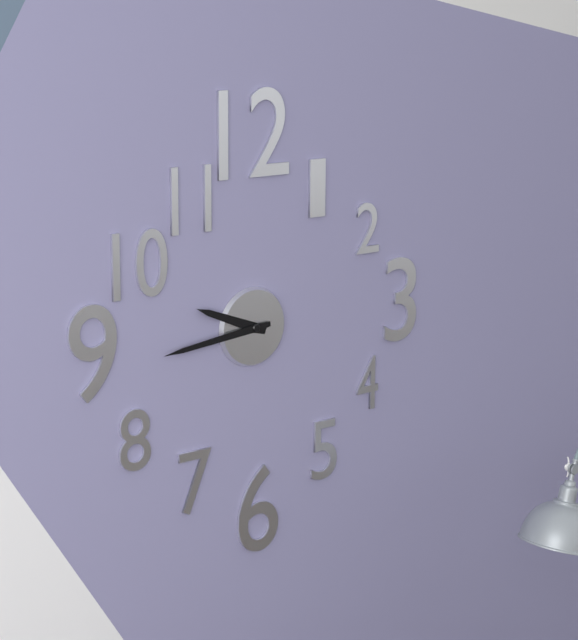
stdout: 9h44
